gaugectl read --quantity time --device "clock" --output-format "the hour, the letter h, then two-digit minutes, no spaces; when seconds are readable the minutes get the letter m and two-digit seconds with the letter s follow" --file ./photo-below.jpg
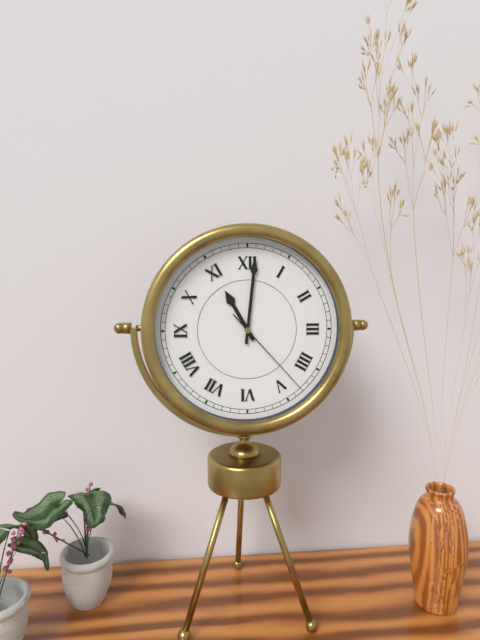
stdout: 11h01m23s
